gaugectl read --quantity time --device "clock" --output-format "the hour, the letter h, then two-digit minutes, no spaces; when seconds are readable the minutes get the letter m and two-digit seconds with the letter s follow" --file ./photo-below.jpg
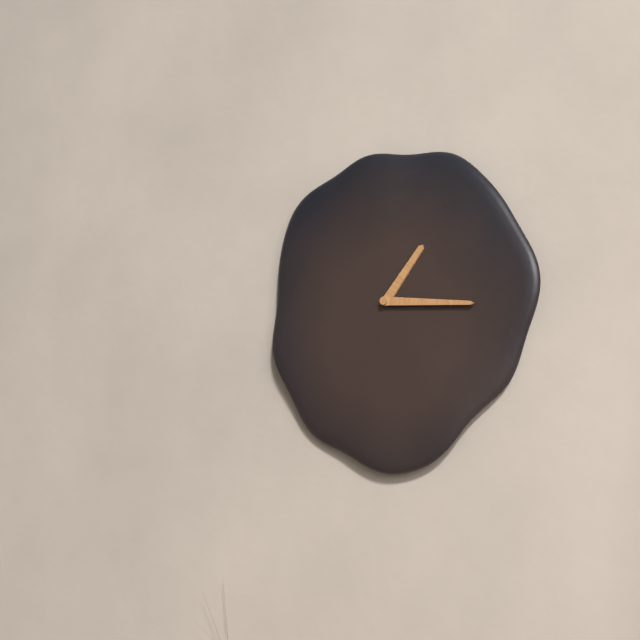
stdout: 1h16
